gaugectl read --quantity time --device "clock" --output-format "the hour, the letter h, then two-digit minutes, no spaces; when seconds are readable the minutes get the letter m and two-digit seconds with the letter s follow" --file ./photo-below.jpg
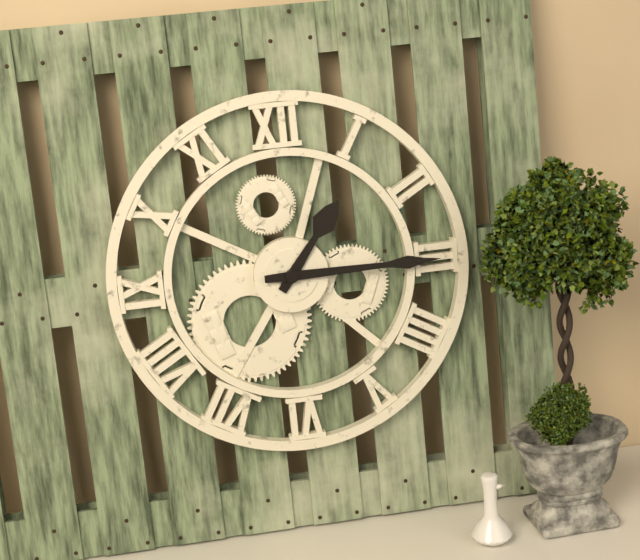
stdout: 1h15
